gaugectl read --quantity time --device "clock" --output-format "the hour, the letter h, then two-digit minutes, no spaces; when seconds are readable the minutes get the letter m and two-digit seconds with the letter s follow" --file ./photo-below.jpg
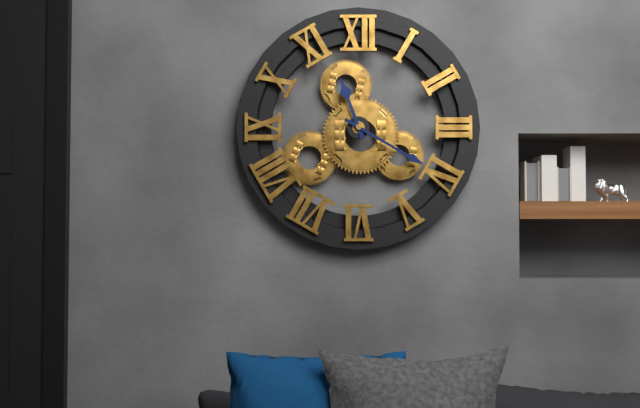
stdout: 11h20
